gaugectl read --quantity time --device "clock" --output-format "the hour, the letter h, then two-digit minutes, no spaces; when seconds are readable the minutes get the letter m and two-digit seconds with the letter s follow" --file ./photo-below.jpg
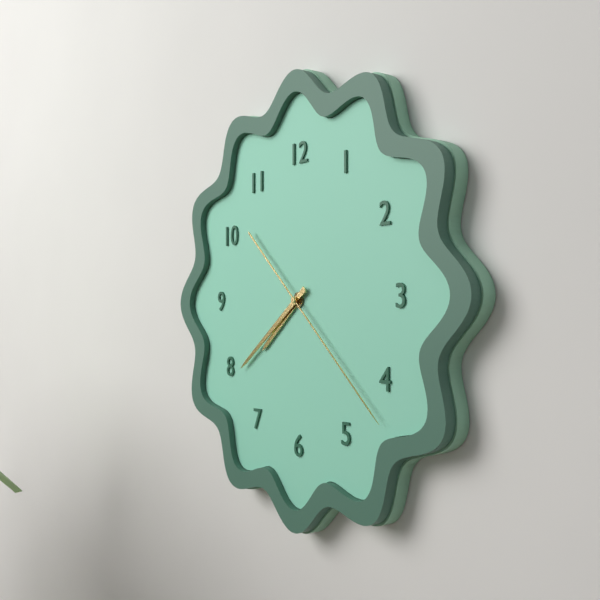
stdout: 7h39m22s
